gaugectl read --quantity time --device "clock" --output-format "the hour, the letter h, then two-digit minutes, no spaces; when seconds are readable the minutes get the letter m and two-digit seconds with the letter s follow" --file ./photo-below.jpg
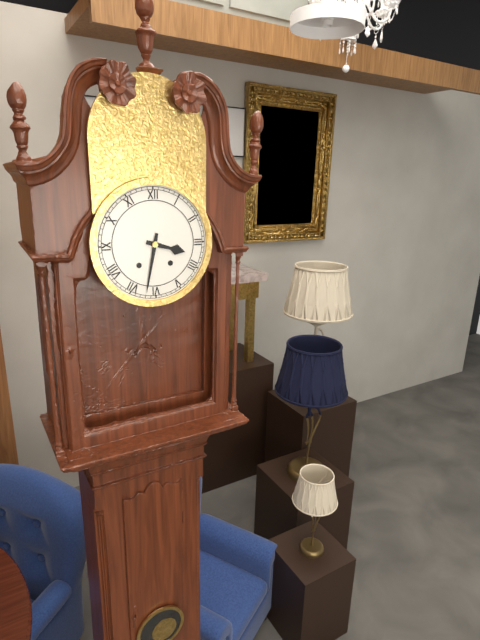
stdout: 3h32
